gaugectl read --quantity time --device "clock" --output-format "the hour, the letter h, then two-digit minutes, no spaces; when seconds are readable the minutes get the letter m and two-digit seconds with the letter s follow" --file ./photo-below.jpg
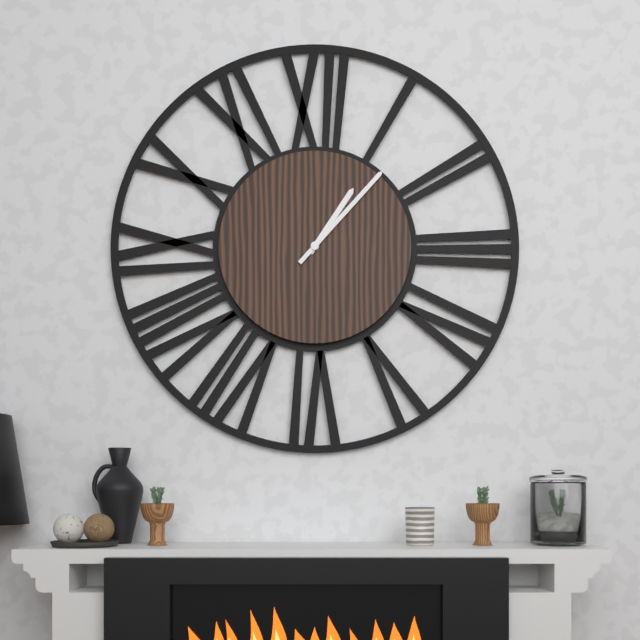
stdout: 1h07
